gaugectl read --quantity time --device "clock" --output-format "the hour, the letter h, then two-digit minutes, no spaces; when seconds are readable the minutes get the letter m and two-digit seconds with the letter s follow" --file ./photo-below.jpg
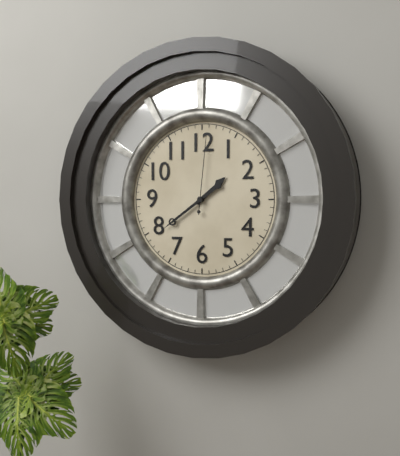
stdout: 1h39m01s
